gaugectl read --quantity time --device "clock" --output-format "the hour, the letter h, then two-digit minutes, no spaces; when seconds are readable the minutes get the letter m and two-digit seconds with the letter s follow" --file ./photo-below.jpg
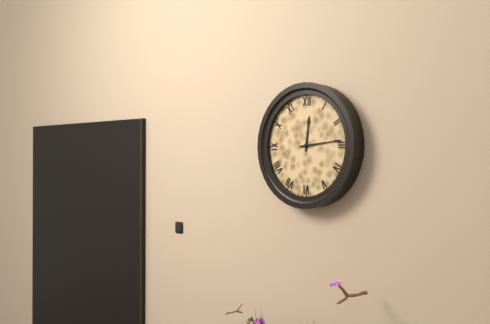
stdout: 12h14
